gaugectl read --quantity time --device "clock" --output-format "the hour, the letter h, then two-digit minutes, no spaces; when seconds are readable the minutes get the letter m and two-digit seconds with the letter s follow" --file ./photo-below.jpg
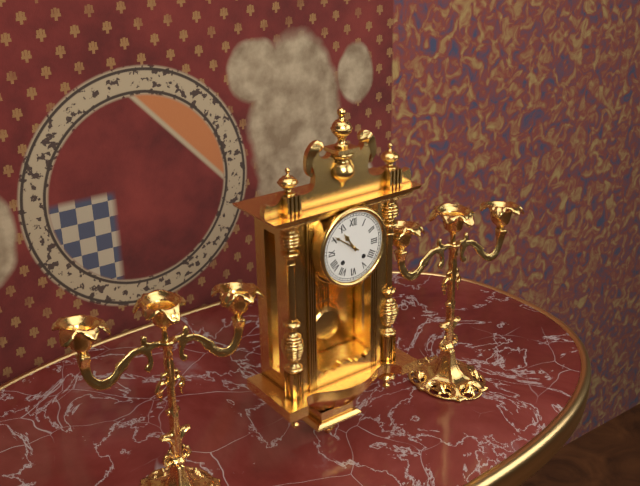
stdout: 10h51
